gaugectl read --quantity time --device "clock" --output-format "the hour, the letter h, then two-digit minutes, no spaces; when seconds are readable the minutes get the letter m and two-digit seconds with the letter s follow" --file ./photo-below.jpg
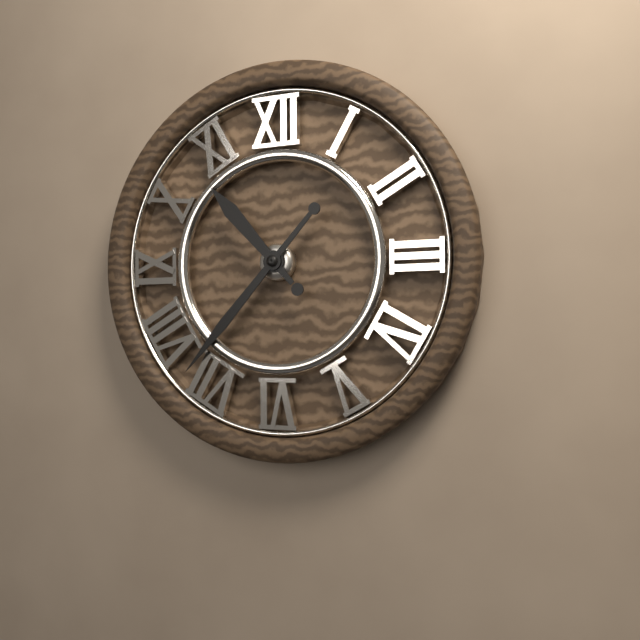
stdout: 10h37
